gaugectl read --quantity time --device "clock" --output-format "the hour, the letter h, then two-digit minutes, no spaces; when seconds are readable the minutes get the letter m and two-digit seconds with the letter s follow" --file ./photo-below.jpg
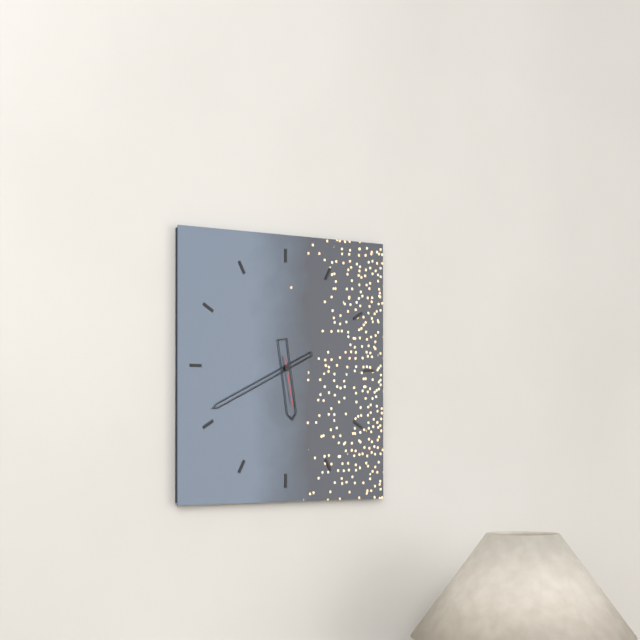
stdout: 5h41
